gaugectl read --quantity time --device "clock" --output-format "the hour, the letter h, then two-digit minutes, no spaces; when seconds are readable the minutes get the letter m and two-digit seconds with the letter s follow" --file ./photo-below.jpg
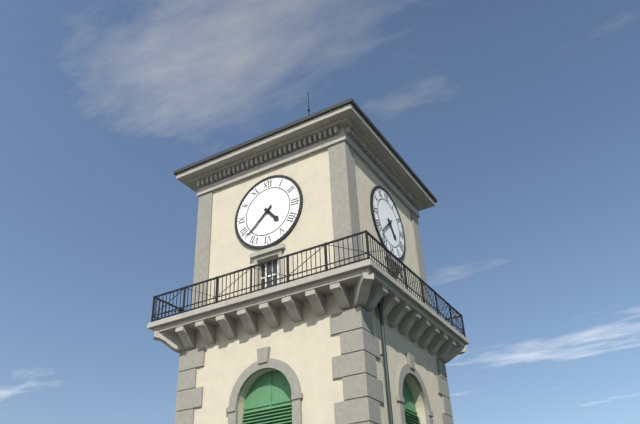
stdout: 4h38
